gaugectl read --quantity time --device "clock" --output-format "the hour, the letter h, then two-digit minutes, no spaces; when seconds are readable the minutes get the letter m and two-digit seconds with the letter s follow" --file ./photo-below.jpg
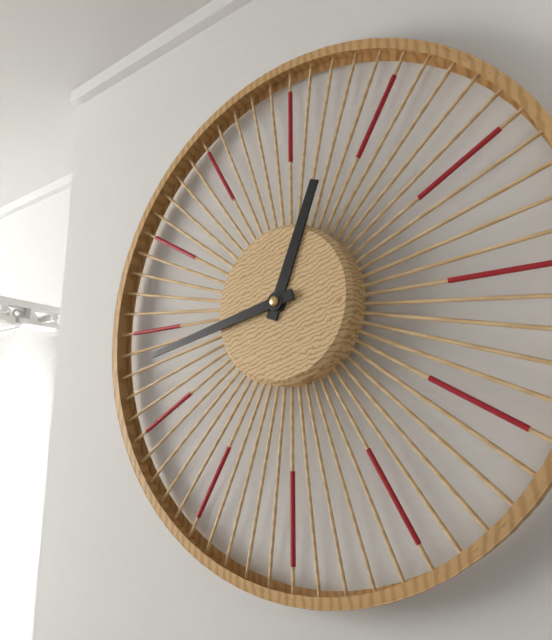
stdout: 12h43
